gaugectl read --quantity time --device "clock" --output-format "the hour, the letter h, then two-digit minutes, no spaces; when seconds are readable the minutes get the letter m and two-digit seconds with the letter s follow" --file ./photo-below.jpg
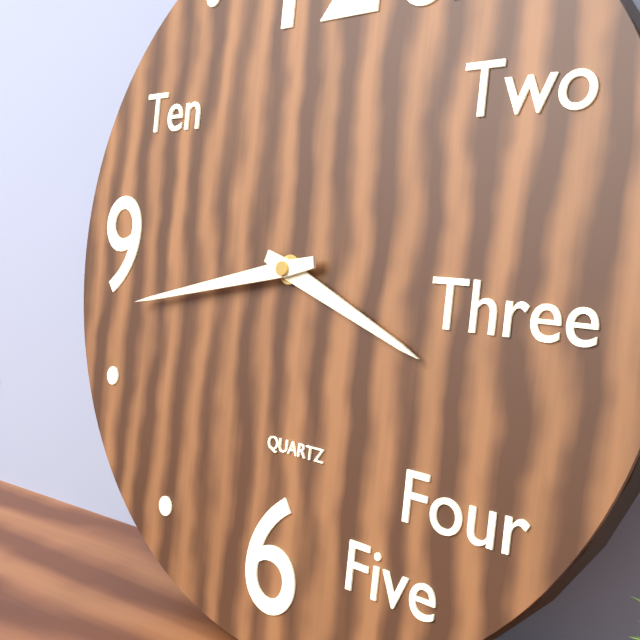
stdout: 3h43
